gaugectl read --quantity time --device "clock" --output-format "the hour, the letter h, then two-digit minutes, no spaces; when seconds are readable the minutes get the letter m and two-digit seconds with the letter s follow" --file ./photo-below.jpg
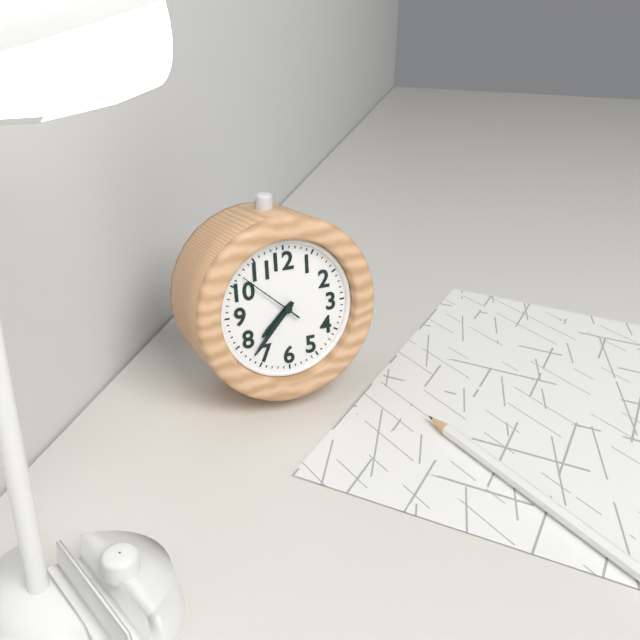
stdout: 7h37m52s
